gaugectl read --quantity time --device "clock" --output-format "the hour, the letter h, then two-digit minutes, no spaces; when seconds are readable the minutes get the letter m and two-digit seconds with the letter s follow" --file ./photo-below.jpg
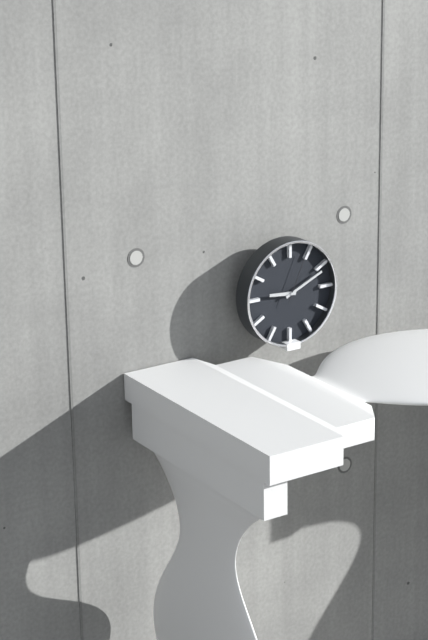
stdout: 9h11m04s
